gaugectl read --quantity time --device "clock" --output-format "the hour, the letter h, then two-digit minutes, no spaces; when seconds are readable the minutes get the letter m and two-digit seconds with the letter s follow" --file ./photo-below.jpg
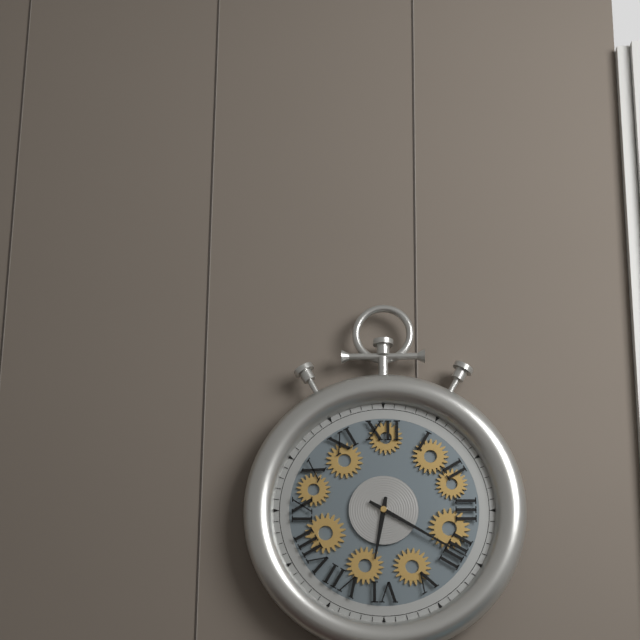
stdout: 6h20
